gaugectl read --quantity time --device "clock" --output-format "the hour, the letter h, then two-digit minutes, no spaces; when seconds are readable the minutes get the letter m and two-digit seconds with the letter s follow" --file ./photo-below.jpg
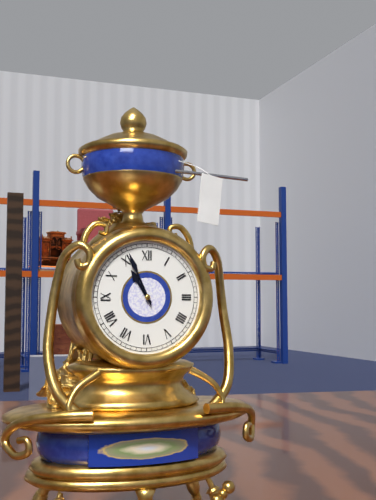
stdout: 10h56
